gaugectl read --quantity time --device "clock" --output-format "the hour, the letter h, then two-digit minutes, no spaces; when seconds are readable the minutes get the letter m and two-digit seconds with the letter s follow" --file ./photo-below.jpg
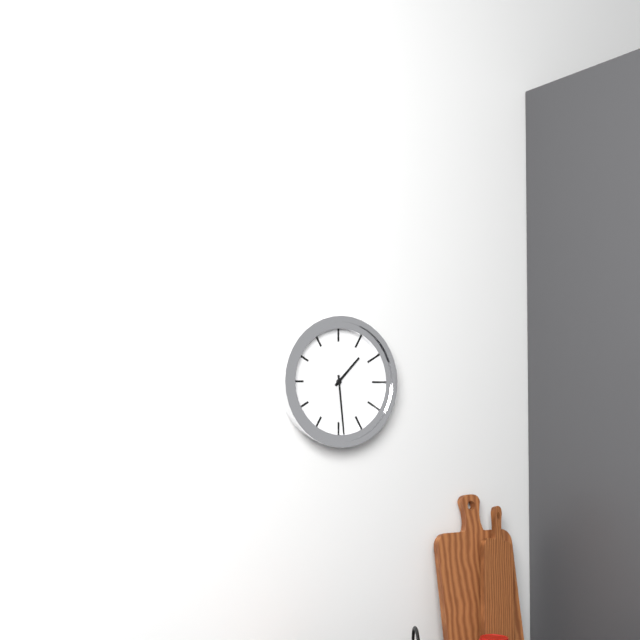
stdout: 1h29
